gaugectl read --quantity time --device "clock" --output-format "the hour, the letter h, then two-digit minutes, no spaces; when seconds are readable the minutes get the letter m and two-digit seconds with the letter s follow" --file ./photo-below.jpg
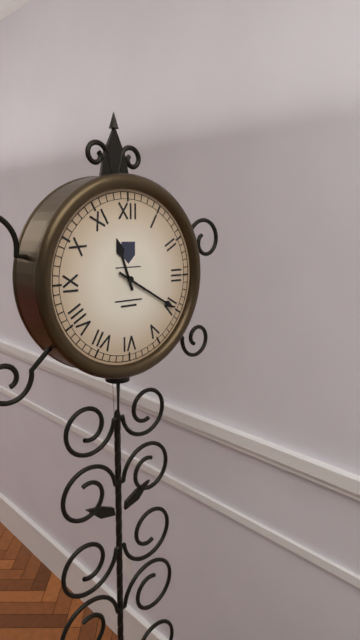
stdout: 11h20
